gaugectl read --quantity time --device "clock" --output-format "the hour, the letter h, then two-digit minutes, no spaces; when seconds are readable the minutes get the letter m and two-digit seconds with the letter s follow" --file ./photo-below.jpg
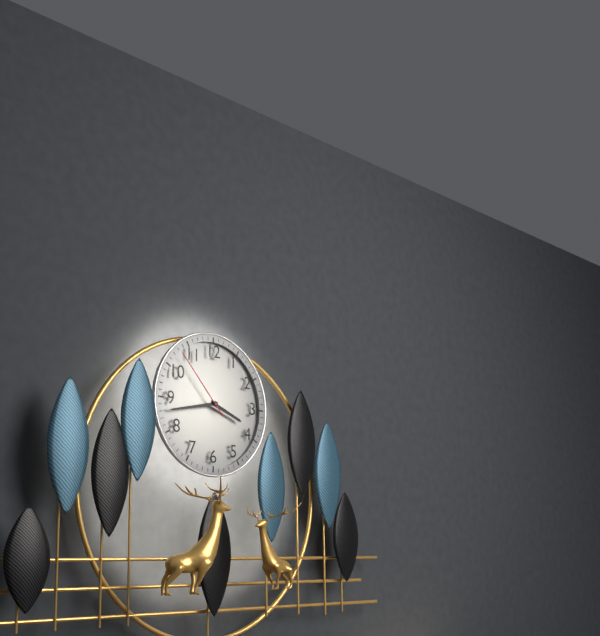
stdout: 3h43m53s
